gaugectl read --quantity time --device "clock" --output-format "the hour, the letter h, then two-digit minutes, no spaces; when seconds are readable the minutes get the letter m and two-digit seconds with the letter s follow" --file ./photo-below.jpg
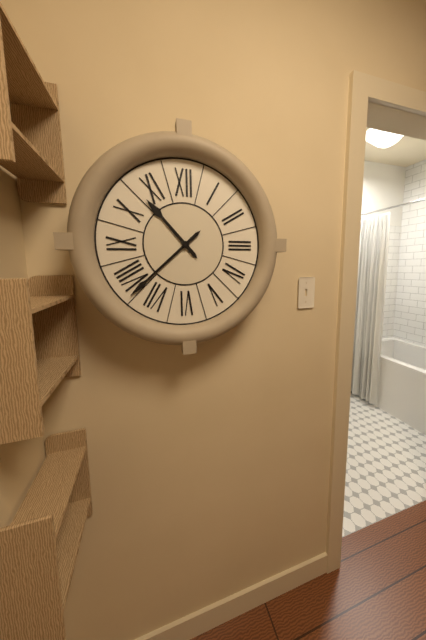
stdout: 10h38
